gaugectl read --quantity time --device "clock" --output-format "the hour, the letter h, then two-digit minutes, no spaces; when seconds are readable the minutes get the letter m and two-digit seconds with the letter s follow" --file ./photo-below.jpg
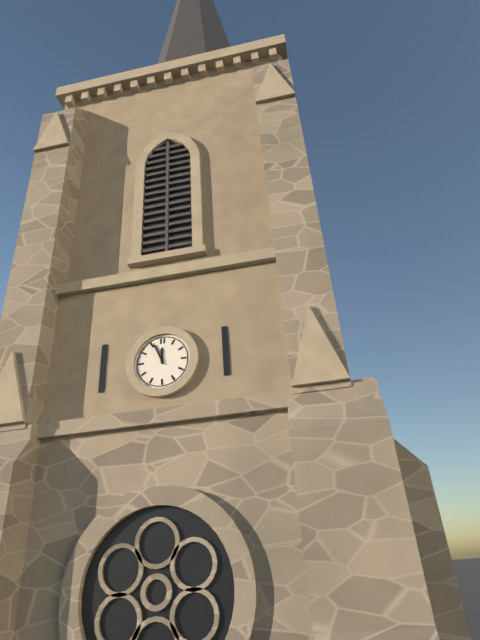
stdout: 11h56
